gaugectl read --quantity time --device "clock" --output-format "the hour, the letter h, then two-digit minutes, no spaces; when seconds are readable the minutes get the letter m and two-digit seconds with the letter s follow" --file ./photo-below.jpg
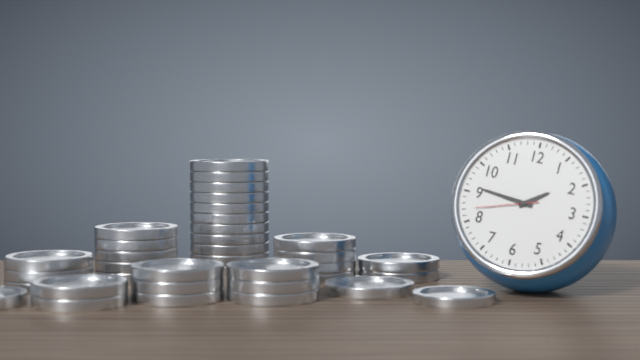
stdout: 1h46m42s
